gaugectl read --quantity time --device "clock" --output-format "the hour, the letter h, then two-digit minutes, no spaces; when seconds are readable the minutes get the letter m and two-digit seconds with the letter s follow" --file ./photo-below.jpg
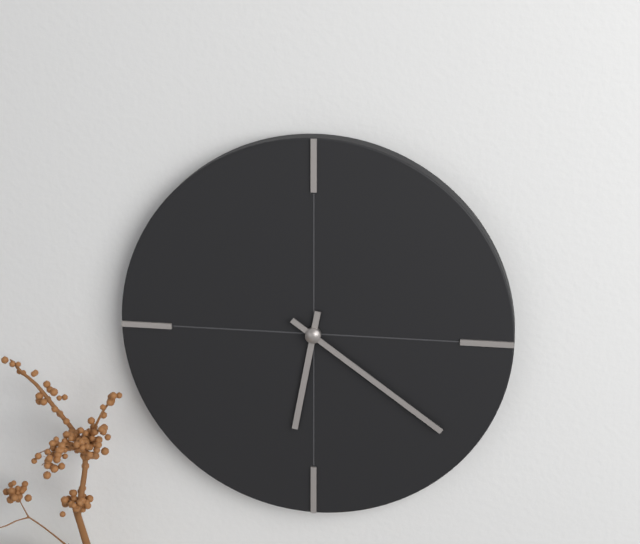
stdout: 6h21
